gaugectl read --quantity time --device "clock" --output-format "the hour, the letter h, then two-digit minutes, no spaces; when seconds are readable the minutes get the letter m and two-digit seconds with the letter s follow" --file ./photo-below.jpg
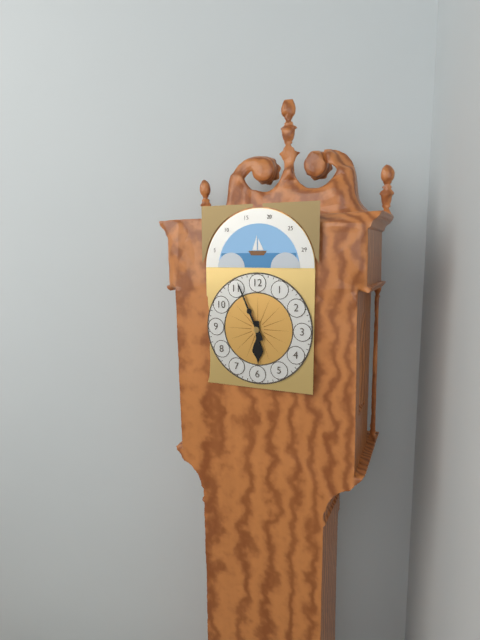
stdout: 5h56
